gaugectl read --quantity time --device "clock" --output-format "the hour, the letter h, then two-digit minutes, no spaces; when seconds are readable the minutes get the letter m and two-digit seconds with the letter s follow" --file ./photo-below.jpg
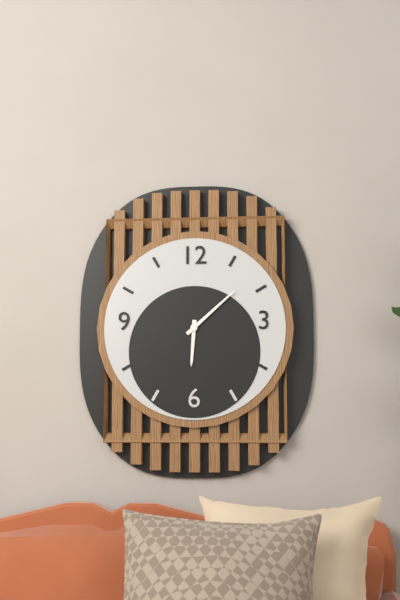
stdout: 6h08
